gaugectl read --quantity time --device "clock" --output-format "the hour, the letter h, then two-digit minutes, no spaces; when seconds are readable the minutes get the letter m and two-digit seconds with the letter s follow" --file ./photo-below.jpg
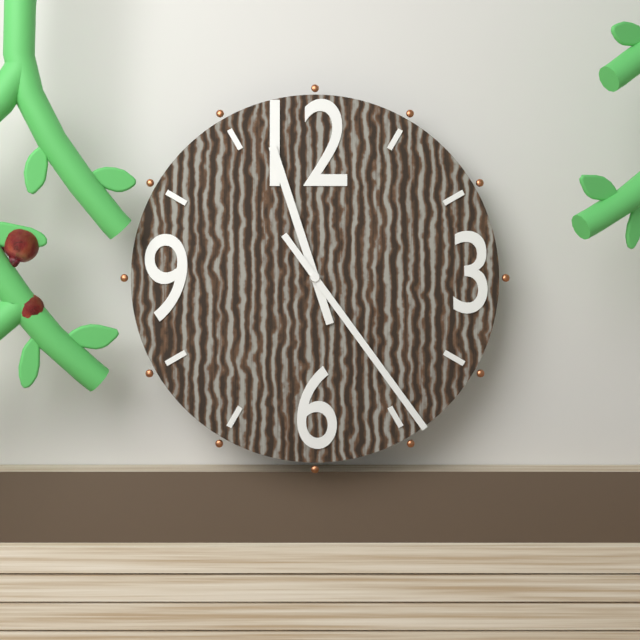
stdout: 11h24
